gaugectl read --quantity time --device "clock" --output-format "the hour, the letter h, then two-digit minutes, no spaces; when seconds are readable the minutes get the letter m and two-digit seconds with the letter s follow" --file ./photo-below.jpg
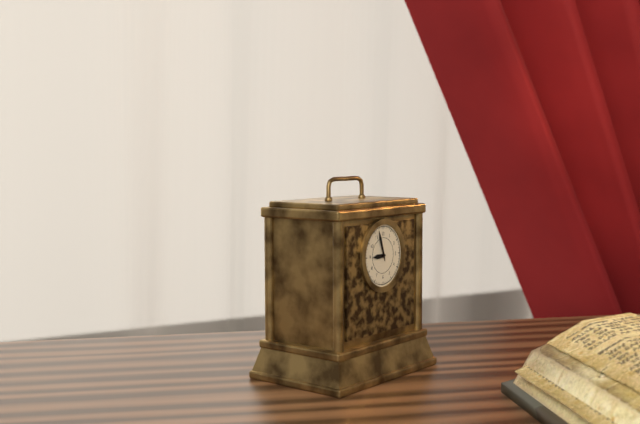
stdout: 8h57
